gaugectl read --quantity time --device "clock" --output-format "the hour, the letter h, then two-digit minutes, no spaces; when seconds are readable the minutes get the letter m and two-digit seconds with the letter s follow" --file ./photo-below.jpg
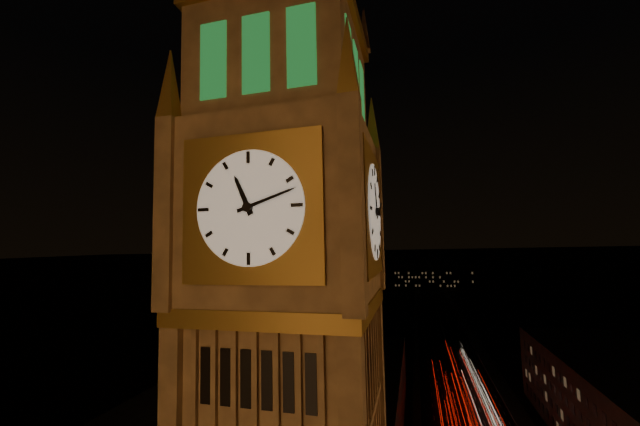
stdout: 11h12
